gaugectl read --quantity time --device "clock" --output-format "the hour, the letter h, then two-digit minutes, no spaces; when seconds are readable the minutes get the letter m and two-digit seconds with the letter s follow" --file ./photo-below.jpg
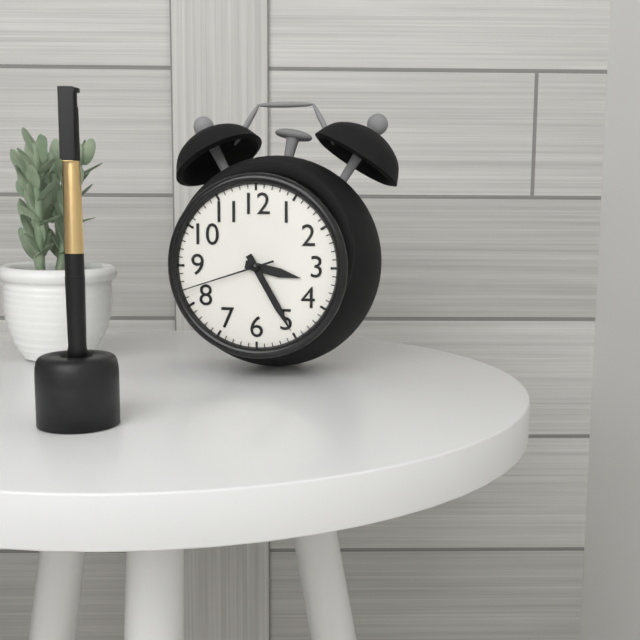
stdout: 3h25m42s
